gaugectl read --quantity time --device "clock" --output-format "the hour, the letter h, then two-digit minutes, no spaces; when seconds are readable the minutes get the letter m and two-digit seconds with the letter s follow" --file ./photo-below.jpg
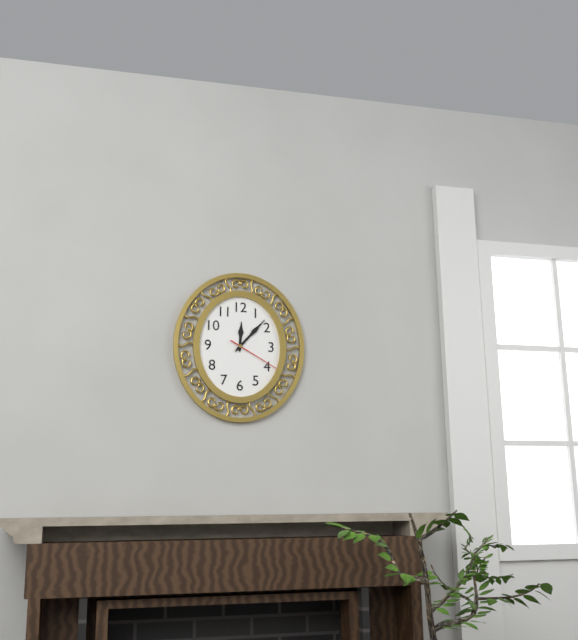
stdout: 12h07m20s
